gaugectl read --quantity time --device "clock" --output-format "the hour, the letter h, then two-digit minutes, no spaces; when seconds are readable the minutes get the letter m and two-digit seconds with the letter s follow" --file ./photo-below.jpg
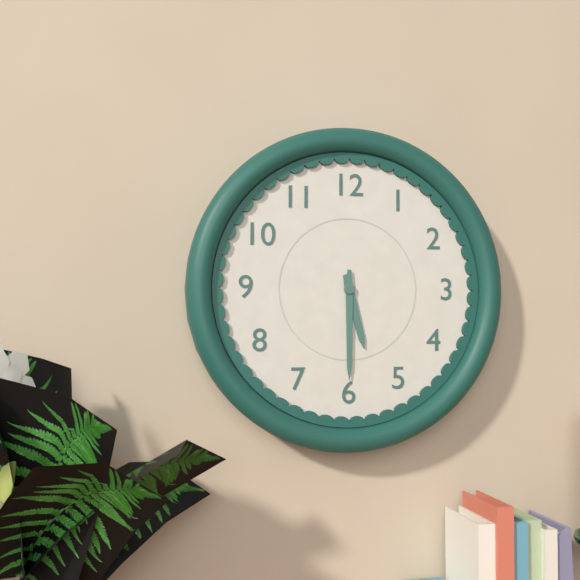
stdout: 5h30
